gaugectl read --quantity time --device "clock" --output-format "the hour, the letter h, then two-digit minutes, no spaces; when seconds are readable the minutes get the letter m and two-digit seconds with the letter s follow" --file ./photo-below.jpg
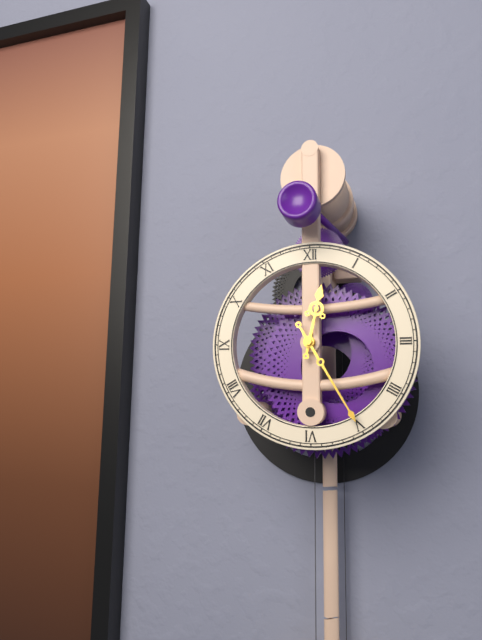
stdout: 12h25
